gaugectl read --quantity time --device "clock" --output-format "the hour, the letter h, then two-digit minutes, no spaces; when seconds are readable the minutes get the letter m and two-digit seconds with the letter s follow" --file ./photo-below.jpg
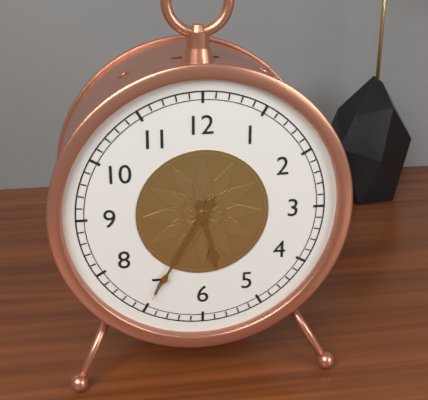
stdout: 5h35
